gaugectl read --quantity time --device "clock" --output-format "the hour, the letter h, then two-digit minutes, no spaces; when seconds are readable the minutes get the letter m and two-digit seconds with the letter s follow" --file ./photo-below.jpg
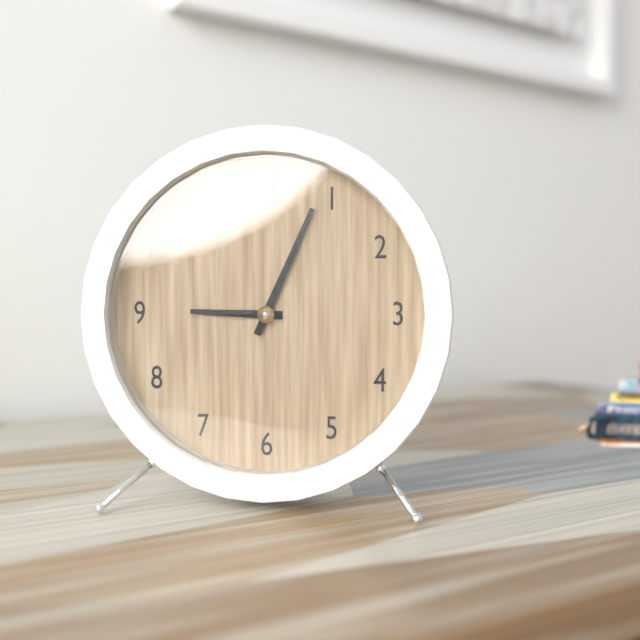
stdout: 9h04
